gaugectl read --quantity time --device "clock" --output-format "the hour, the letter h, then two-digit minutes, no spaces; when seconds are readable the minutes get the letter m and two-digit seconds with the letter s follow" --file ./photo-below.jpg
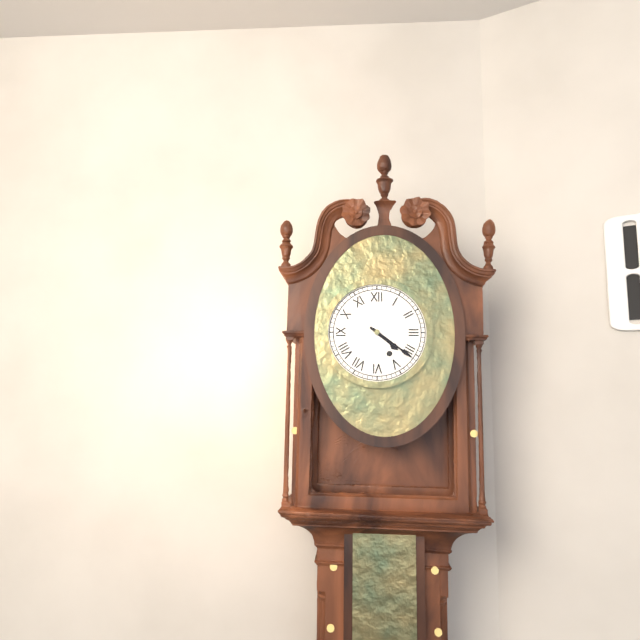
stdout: 4h21
